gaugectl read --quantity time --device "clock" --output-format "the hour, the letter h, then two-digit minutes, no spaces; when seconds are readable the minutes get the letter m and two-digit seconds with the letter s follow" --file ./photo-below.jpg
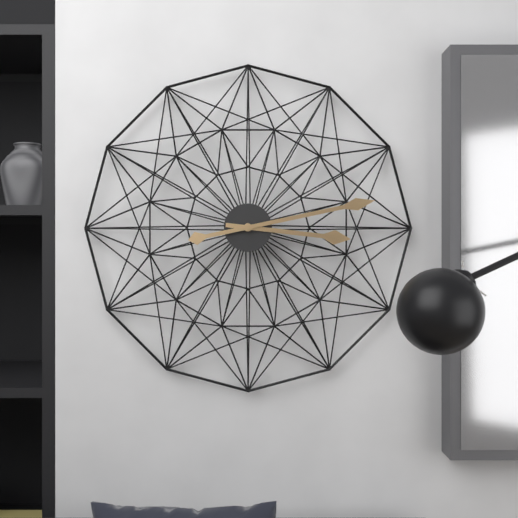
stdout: 3h13
